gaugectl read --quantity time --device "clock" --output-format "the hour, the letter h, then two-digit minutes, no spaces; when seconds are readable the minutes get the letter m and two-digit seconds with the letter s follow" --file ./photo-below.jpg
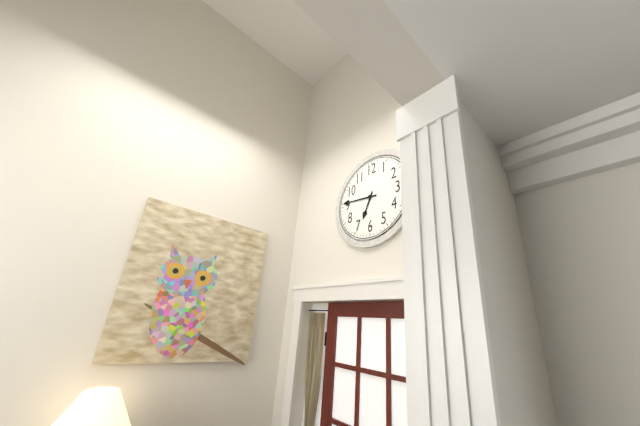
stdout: 6h46
